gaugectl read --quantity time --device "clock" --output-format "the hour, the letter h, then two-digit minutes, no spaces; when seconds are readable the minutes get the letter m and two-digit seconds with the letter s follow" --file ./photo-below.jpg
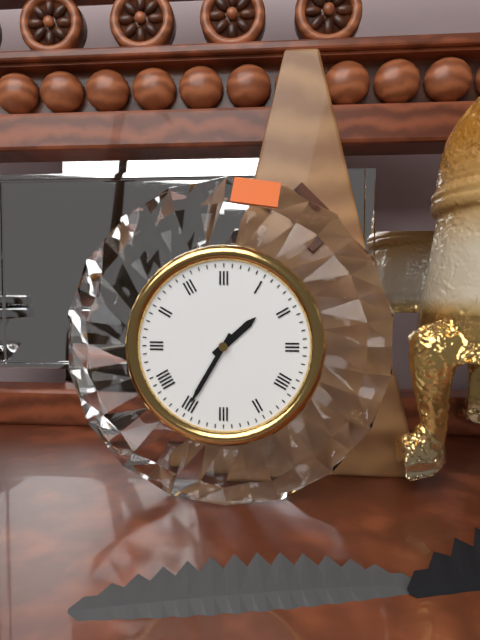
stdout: 1h35
